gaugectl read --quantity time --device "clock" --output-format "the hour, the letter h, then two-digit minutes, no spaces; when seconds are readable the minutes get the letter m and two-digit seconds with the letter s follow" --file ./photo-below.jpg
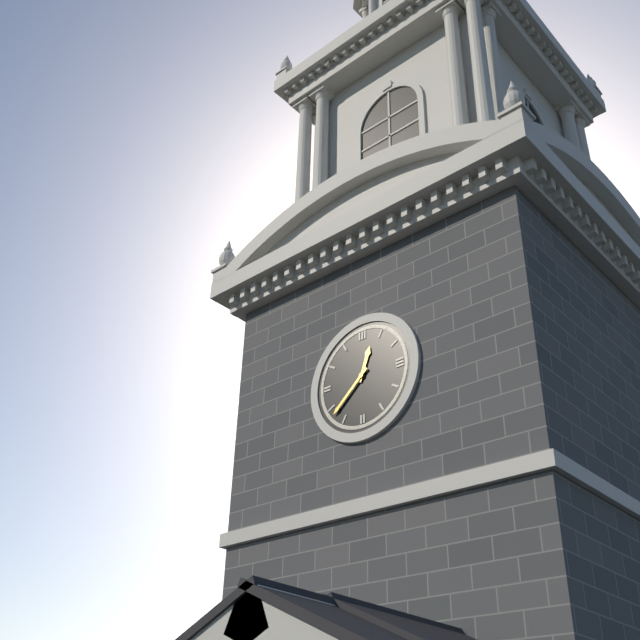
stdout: 12h38
